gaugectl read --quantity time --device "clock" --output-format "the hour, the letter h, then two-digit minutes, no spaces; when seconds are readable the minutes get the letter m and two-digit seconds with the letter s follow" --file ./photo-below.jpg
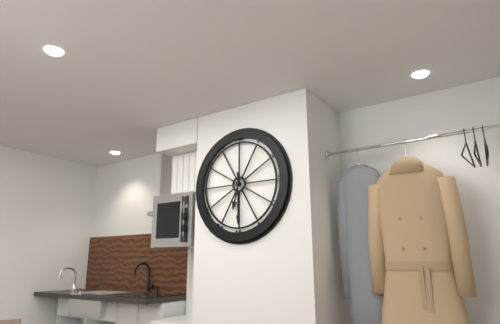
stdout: 6h30
